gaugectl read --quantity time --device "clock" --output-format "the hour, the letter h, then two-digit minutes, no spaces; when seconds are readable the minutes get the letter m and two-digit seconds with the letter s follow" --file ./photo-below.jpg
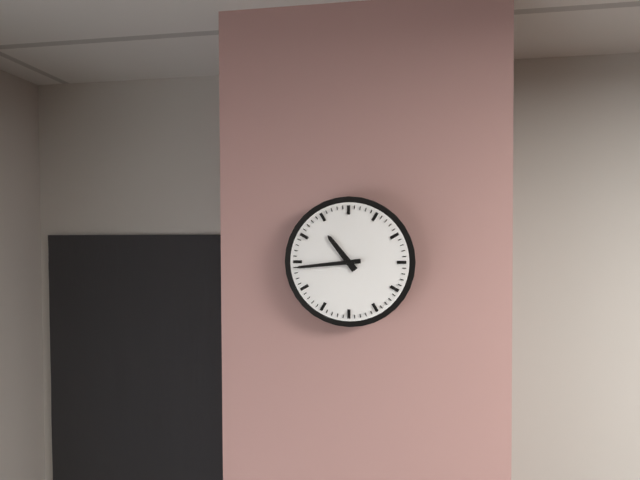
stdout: 10h44
